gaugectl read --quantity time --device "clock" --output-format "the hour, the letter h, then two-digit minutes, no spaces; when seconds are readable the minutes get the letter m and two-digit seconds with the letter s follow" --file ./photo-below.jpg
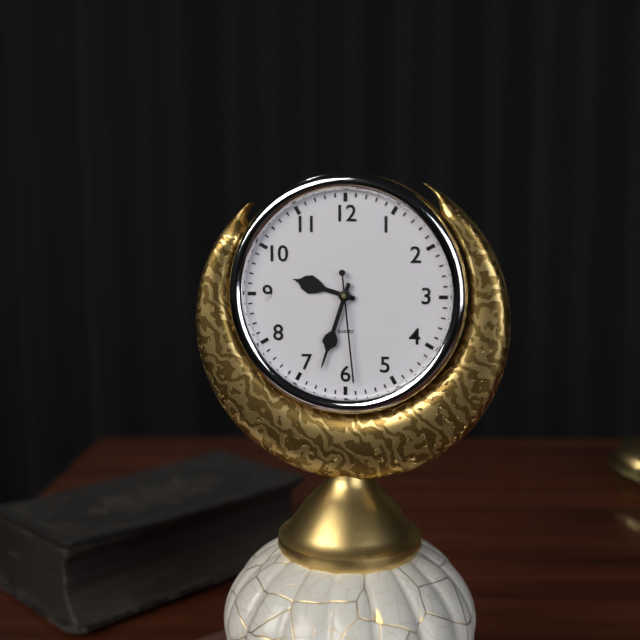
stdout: 9h33m29s
